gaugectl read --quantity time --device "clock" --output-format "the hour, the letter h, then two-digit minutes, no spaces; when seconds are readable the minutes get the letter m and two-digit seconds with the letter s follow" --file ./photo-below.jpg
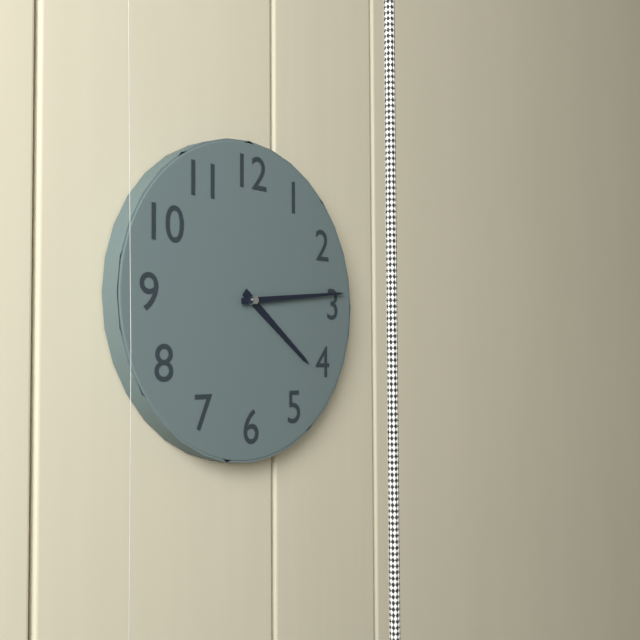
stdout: 4h14
